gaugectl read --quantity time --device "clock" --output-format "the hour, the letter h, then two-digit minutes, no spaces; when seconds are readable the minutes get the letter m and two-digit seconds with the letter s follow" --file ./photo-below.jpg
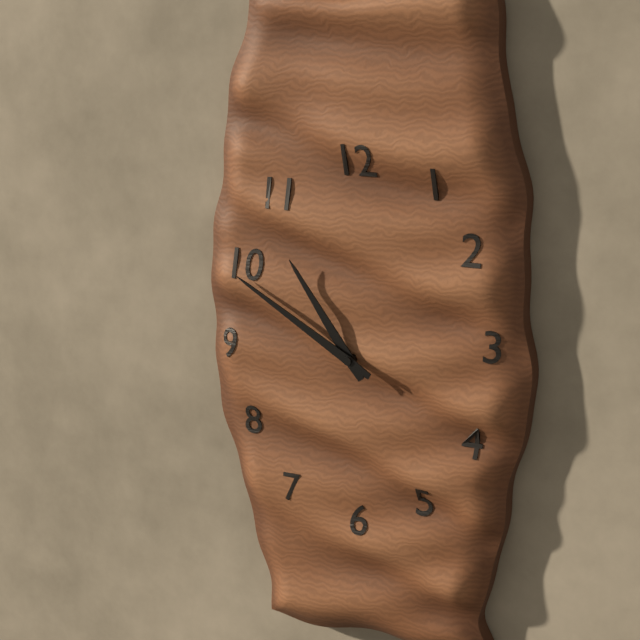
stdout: 10h50
